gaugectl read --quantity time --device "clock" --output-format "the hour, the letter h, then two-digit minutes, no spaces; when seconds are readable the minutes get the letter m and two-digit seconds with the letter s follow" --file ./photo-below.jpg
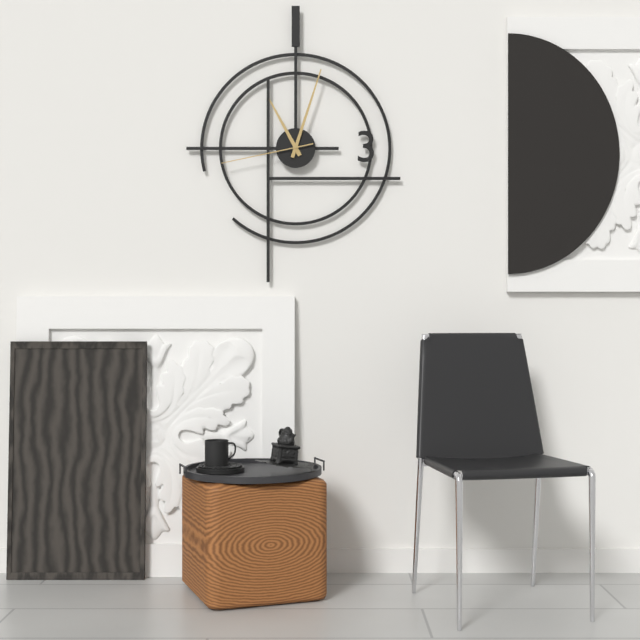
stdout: 11h03m43s
